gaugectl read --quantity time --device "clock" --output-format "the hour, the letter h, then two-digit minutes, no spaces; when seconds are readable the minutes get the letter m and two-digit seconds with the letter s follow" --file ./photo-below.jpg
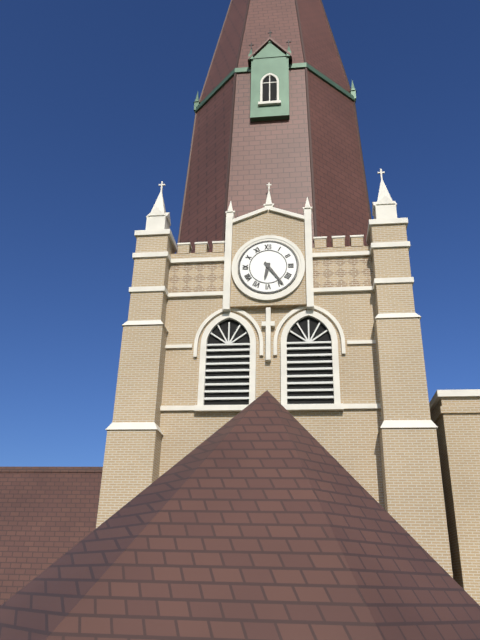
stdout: 6h24
